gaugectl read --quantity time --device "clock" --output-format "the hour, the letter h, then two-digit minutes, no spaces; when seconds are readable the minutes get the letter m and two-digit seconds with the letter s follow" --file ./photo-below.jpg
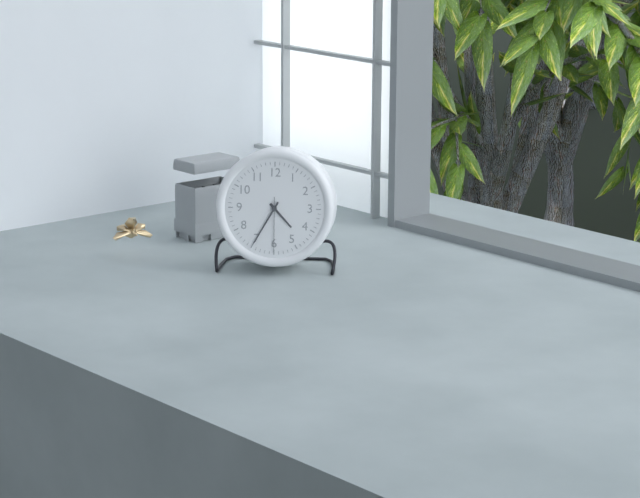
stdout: 4h35m30s
